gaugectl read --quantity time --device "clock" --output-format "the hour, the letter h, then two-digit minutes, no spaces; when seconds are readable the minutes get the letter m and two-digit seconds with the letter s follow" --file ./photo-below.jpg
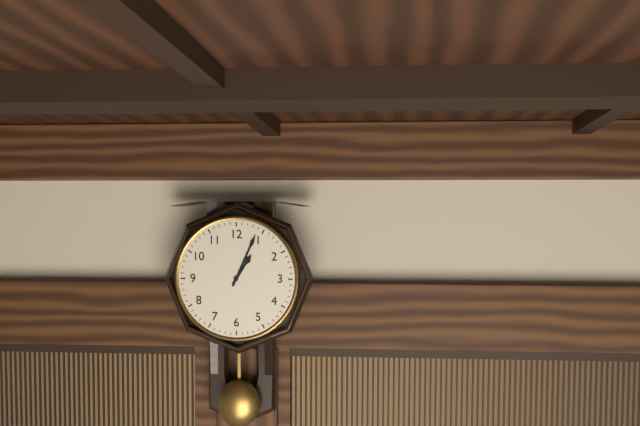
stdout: 1h04
